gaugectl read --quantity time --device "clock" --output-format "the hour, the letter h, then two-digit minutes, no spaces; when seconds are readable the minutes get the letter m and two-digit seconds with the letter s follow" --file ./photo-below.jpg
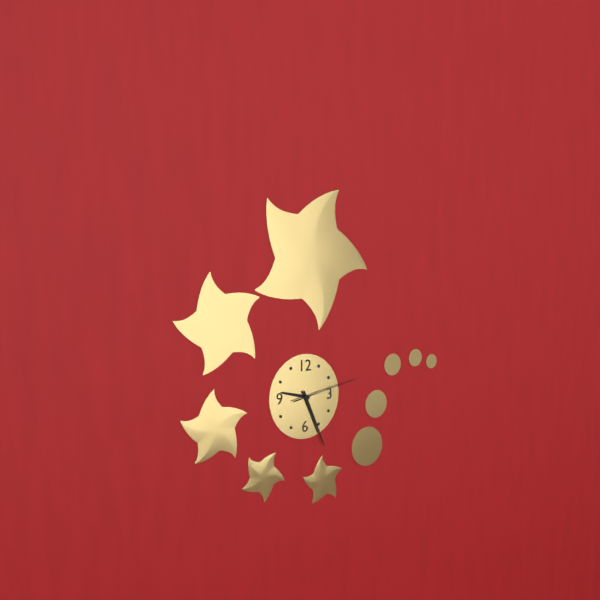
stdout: 9h26m13s
